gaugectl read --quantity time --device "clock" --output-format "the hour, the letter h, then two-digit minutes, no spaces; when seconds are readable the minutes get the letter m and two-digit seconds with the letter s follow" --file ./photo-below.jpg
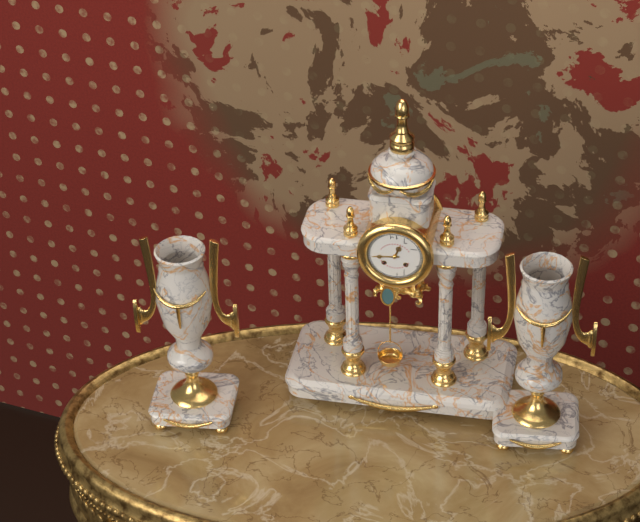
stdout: 12h44
